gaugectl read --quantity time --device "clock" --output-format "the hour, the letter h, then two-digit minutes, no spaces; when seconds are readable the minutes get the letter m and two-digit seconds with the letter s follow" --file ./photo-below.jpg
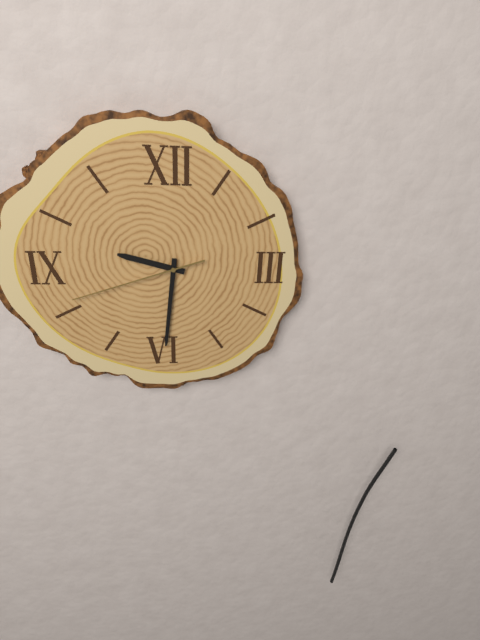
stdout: 9h31m42s
